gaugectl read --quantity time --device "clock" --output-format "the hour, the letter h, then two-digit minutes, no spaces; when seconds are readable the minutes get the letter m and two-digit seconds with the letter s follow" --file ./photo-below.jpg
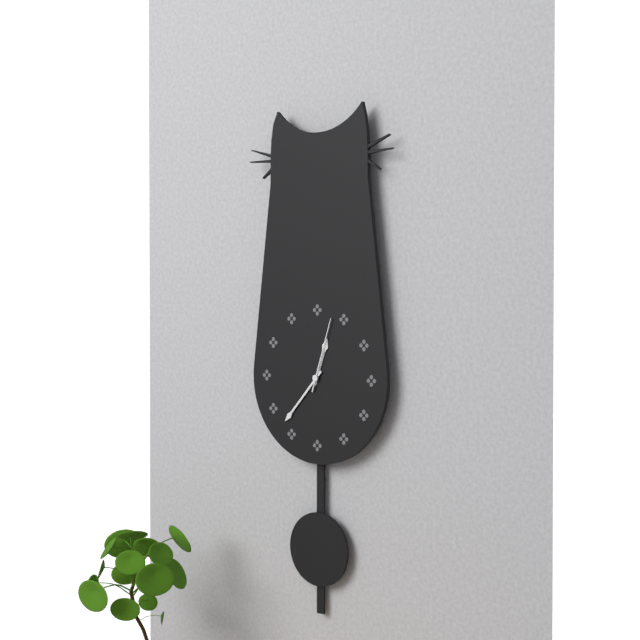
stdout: 12h37m03s
